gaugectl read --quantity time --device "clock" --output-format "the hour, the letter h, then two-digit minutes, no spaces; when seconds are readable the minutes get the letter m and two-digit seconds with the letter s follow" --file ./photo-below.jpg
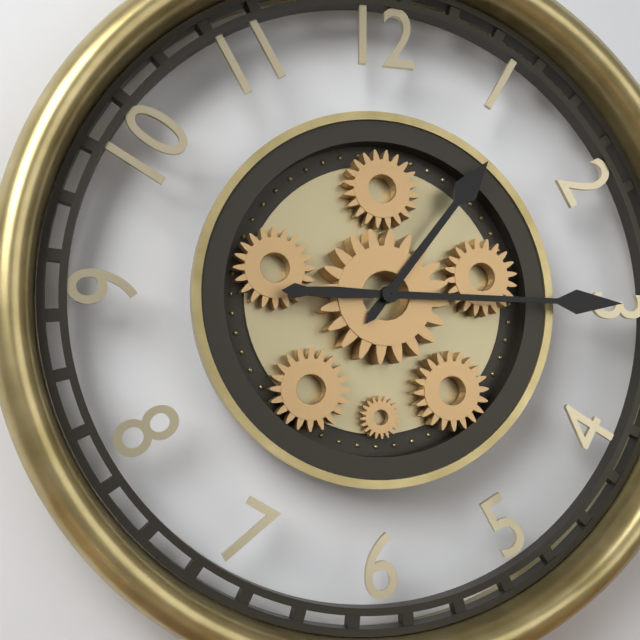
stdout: 1h15
